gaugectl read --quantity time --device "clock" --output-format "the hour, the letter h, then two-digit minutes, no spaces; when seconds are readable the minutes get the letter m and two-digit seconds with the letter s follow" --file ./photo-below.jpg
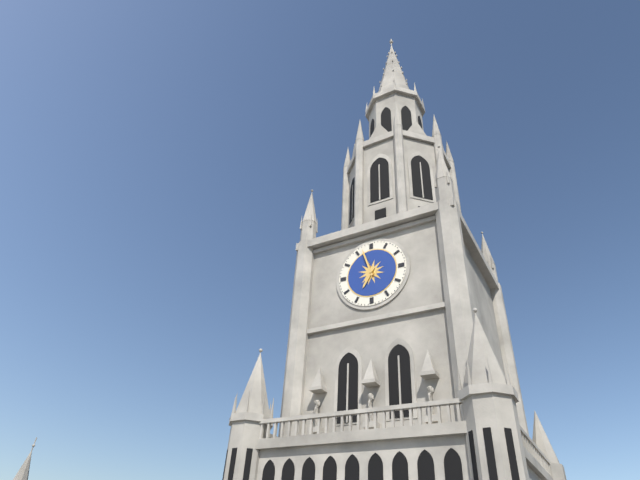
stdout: 6h57
